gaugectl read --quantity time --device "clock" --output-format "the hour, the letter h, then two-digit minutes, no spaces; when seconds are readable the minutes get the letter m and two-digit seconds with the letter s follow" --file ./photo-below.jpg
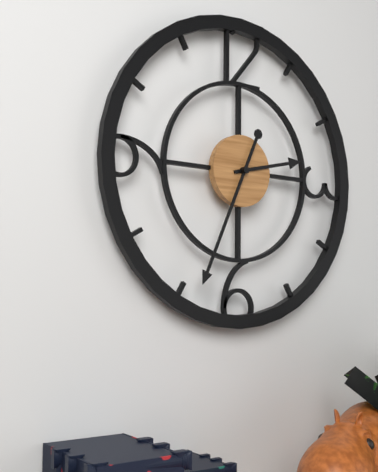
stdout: 2h34
